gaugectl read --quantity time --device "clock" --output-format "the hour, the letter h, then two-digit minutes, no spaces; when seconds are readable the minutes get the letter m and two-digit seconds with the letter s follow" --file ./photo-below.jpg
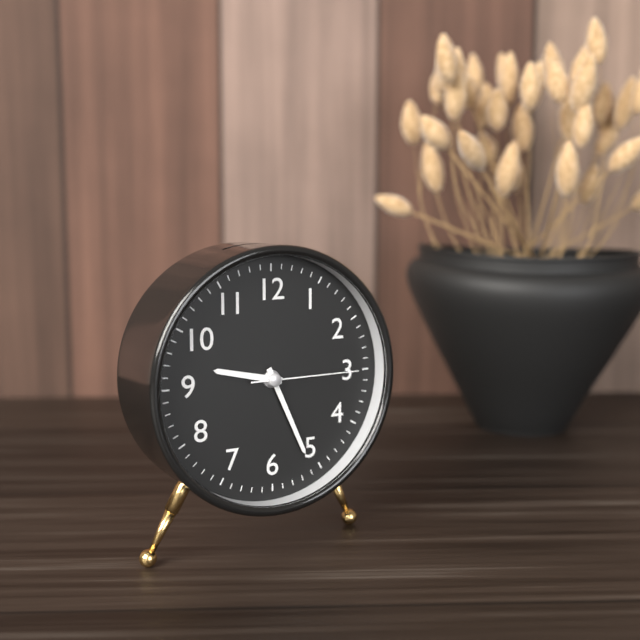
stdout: 9h26m15s
